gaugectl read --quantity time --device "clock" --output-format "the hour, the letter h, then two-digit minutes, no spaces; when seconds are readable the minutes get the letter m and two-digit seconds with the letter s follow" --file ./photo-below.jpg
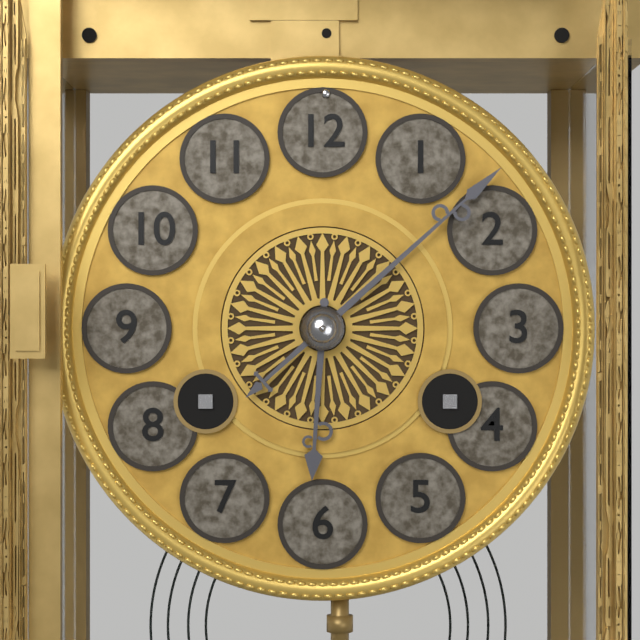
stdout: 6h08
